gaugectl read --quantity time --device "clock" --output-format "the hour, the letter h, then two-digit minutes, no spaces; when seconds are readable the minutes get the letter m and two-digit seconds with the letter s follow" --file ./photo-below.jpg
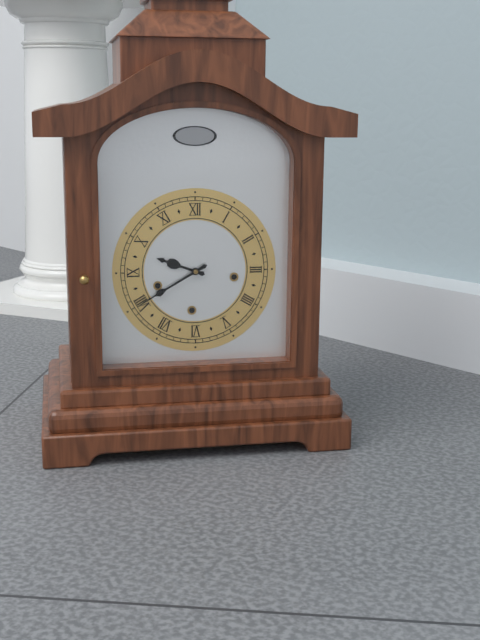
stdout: 9h40
